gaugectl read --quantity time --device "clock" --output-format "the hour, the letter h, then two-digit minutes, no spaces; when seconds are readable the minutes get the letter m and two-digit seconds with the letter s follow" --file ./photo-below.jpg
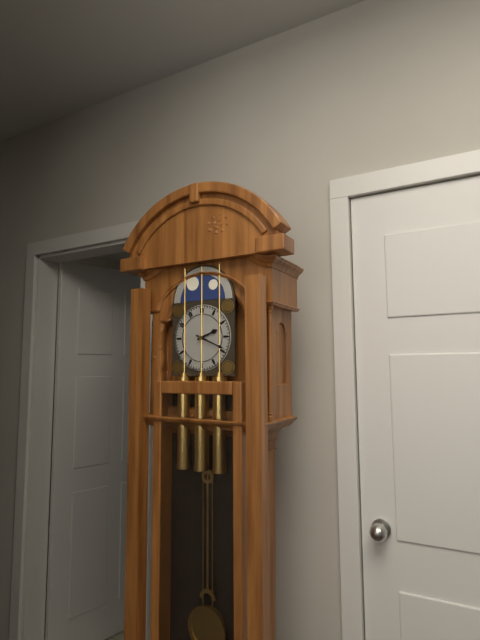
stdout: 2h19
